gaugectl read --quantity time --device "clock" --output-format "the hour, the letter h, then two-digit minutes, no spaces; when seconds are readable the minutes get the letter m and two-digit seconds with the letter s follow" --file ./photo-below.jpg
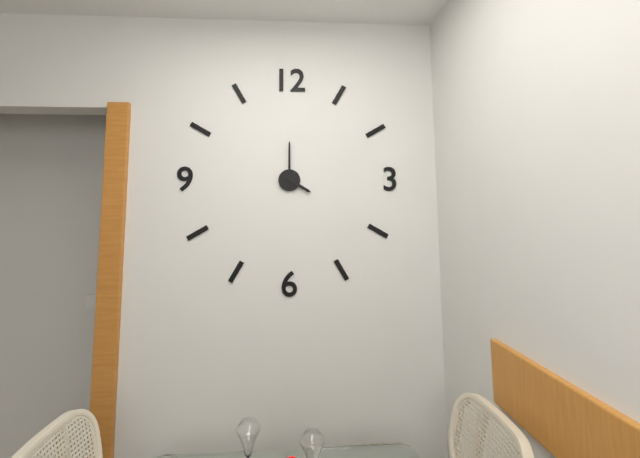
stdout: 4h00
